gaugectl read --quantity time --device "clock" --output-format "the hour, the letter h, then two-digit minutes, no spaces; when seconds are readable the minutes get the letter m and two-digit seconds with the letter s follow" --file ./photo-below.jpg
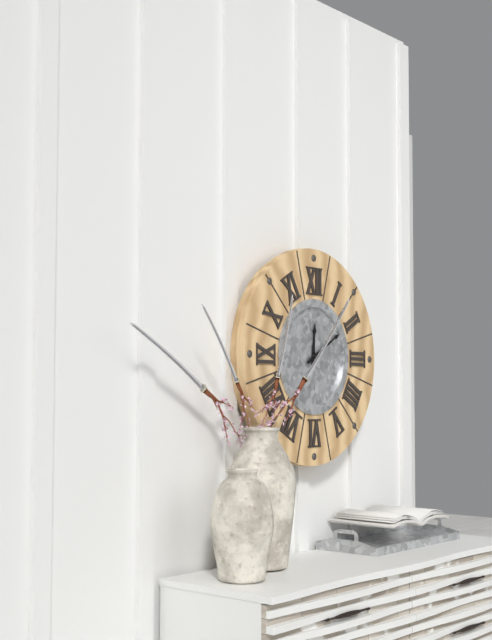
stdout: 12h10
